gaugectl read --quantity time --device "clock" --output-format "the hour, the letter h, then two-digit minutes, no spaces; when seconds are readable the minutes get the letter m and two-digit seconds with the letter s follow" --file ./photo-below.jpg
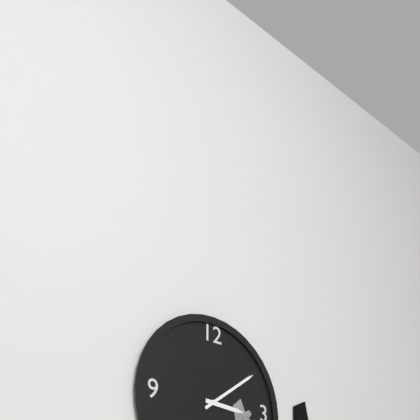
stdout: 3h09
